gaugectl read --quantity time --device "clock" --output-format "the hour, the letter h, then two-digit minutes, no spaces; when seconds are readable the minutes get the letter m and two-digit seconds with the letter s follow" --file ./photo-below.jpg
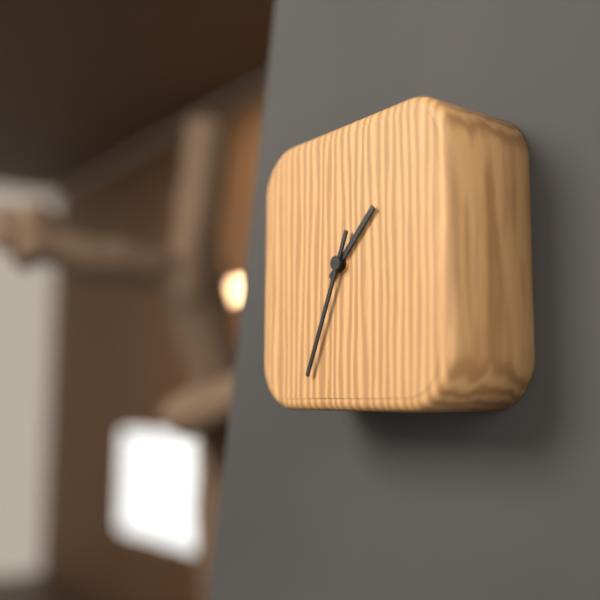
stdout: 1h34
